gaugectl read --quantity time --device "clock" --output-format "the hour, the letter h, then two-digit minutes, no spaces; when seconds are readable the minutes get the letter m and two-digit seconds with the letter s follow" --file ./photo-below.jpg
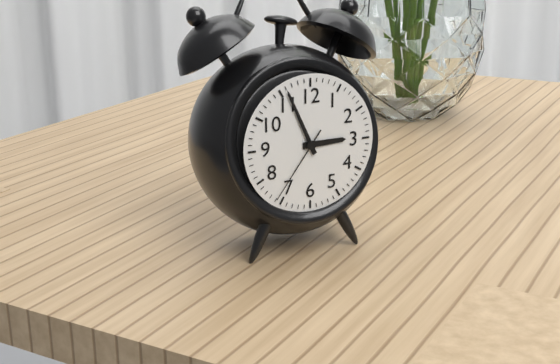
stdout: 2h56m36s
